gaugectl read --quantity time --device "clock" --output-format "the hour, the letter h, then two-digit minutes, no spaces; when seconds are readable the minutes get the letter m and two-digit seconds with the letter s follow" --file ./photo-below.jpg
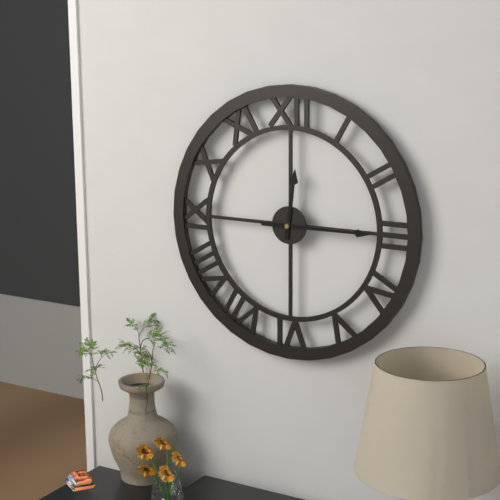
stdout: 12h15
